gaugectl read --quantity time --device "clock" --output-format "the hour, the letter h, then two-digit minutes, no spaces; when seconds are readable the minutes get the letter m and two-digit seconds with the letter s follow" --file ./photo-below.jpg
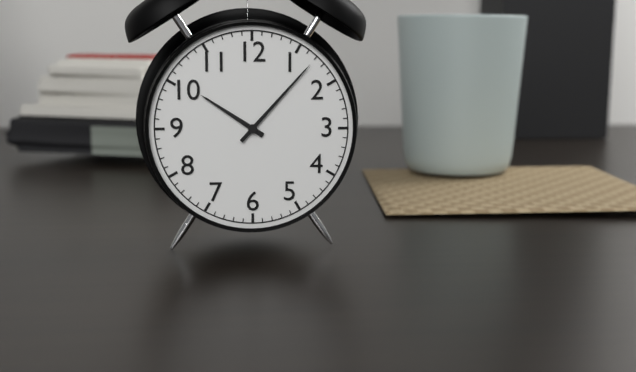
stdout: 10h07
